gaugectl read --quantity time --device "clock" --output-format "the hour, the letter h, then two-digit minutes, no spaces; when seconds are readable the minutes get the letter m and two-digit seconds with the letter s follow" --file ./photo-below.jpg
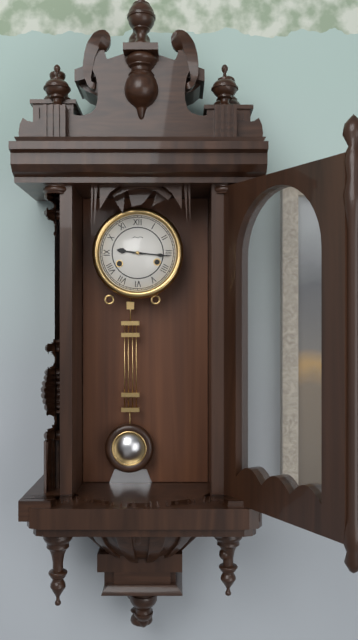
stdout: 9h16
